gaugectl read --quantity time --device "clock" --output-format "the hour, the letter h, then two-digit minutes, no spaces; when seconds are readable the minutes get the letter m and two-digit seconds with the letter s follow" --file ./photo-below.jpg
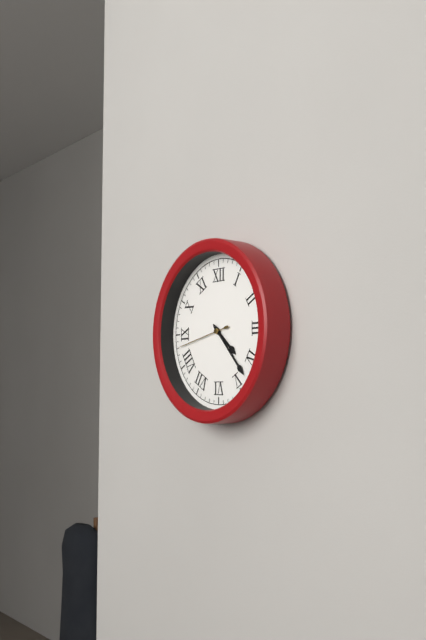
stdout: 4h23m43s
